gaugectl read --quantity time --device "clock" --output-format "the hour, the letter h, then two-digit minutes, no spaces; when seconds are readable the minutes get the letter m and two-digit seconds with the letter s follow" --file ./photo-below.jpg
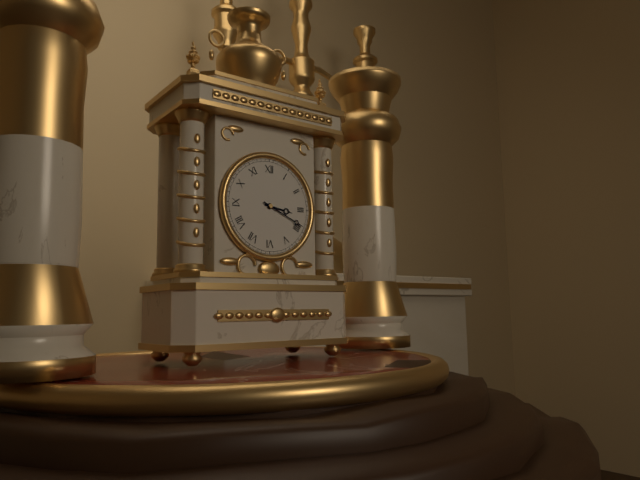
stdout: 3h19
